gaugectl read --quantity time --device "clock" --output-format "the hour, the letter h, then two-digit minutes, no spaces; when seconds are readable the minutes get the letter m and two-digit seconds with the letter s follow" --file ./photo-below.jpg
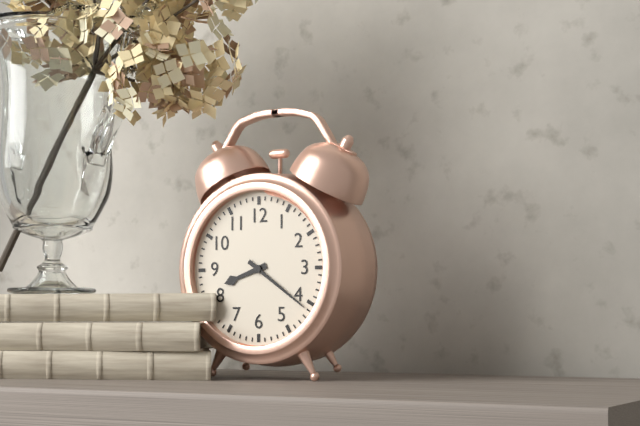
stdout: 8h21
